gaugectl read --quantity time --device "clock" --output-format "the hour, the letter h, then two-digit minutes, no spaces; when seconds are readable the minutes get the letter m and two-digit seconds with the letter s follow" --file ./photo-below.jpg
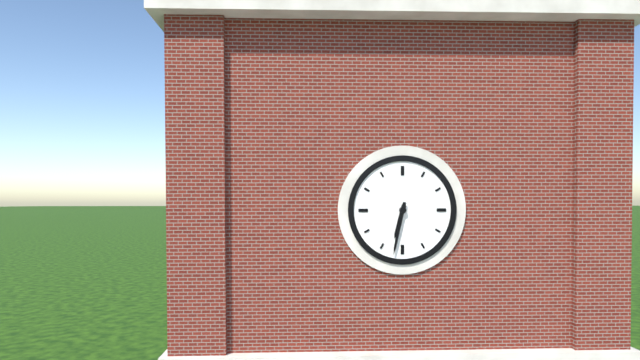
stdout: 6h32
